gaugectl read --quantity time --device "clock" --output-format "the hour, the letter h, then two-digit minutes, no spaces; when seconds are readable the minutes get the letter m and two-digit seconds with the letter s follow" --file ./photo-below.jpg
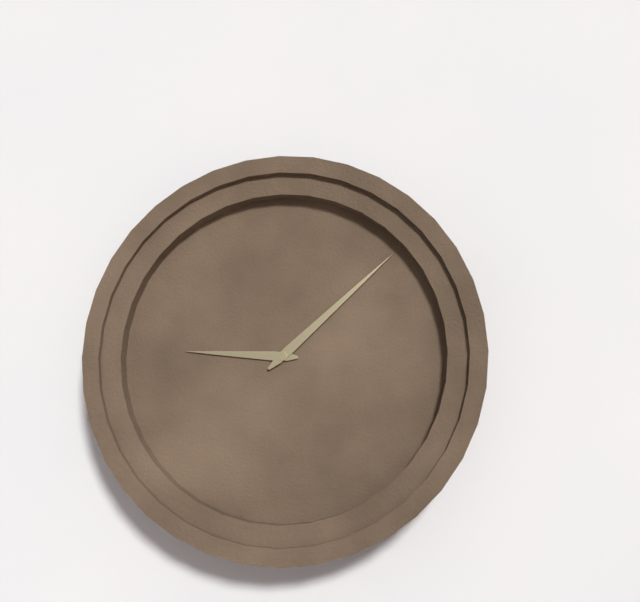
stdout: 9h08
